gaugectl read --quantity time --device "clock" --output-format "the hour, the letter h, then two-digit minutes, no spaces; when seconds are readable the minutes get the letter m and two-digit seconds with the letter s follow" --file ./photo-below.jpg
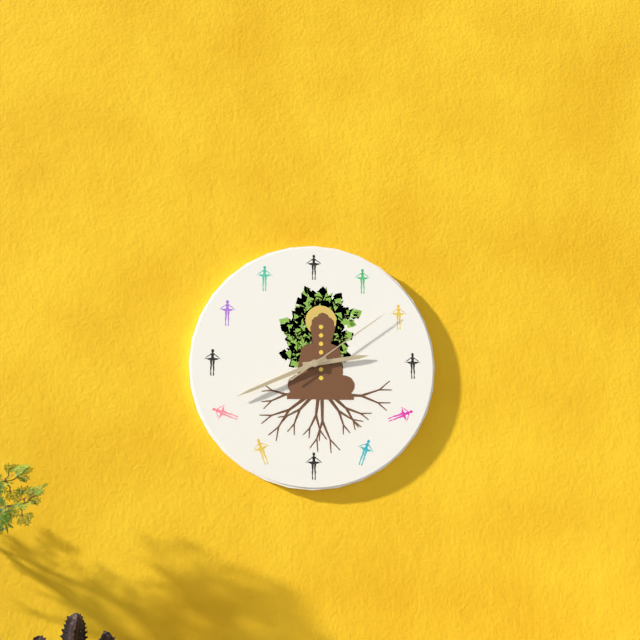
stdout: 2h41m09s
